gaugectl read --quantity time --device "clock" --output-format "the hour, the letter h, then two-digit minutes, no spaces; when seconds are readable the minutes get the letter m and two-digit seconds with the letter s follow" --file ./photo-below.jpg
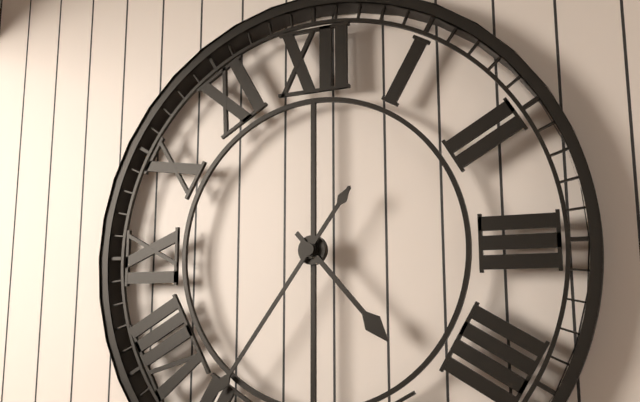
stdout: 4h36
